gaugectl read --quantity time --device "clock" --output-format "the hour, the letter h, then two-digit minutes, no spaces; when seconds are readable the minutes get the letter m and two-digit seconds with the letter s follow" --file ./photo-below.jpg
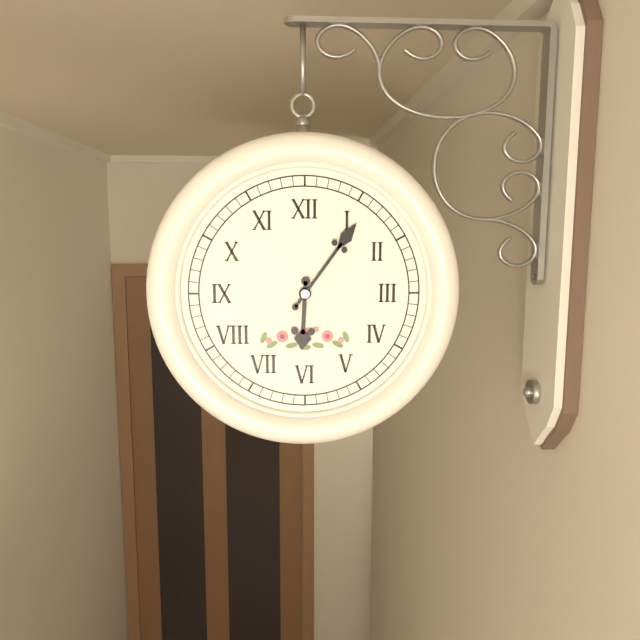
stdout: 6h06
